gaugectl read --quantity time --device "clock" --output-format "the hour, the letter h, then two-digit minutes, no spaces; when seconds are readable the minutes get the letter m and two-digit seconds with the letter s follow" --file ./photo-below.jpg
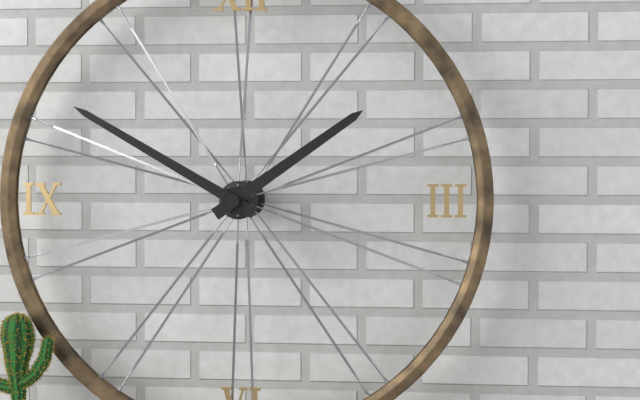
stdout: 1h50
